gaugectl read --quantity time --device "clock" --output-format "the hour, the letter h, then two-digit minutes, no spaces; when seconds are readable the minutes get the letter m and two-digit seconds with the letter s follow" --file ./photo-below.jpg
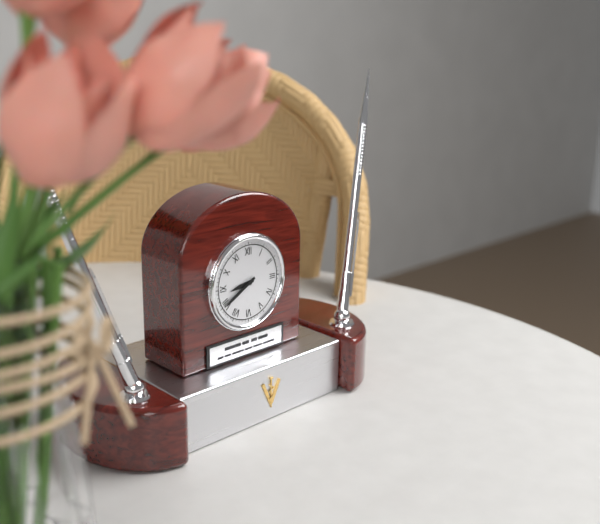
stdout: 8h40
